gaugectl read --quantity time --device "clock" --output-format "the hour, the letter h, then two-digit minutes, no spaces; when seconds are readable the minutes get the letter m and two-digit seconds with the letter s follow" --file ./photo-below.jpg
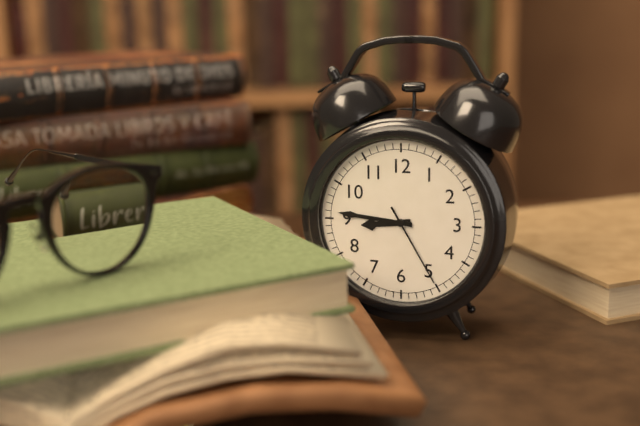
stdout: 8h46m25s
